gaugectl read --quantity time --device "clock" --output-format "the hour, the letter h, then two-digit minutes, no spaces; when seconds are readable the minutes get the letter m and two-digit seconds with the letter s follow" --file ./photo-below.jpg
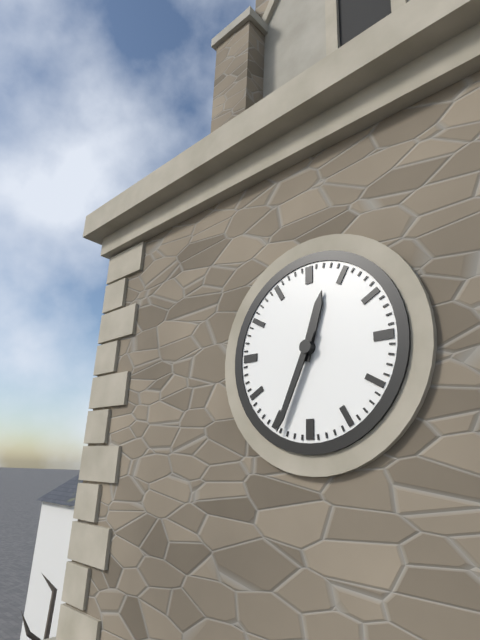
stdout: 12h34
